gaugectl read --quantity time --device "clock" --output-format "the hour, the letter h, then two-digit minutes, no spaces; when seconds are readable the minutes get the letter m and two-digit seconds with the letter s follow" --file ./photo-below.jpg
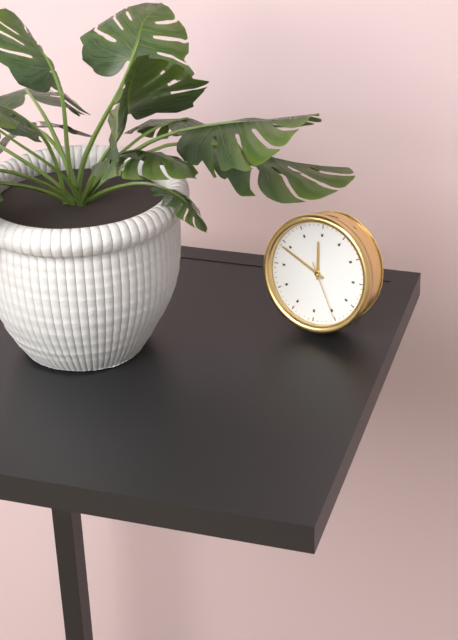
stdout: 11h49m25s
